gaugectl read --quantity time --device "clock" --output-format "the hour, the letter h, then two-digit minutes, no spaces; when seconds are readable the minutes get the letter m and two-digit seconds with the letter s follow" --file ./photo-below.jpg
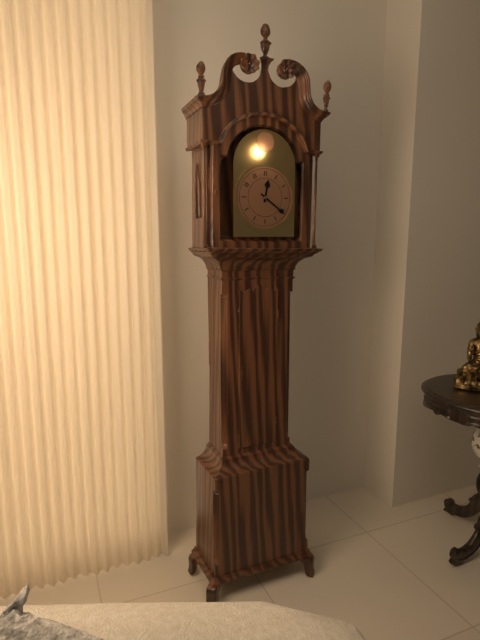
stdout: 12h21
